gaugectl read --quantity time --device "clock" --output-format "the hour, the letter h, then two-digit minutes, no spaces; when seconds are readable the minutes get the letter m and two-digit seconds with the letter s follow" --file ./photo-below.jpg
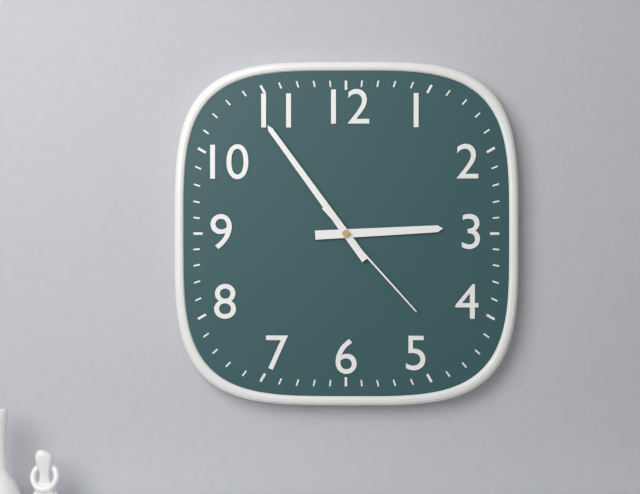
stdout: 2h54m23s
